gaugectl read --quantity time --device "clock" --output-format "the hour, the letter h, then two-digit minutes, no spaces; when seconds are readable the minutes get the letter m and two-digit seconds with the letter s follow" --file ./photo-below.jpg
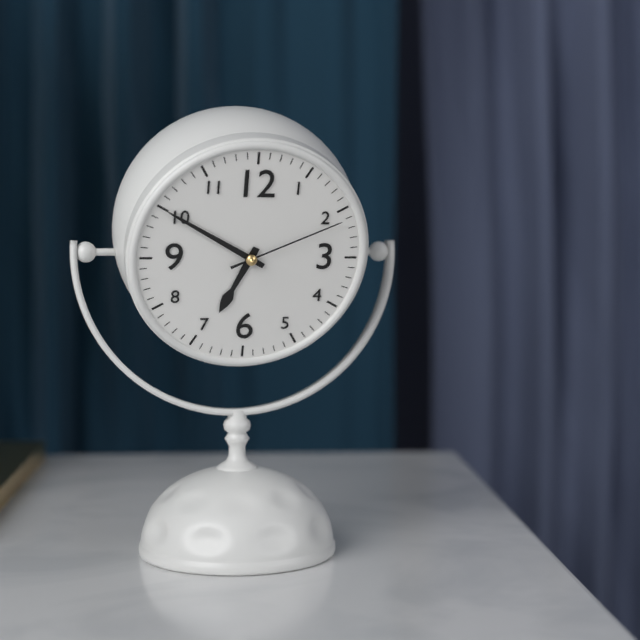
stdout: 6h50m11s
